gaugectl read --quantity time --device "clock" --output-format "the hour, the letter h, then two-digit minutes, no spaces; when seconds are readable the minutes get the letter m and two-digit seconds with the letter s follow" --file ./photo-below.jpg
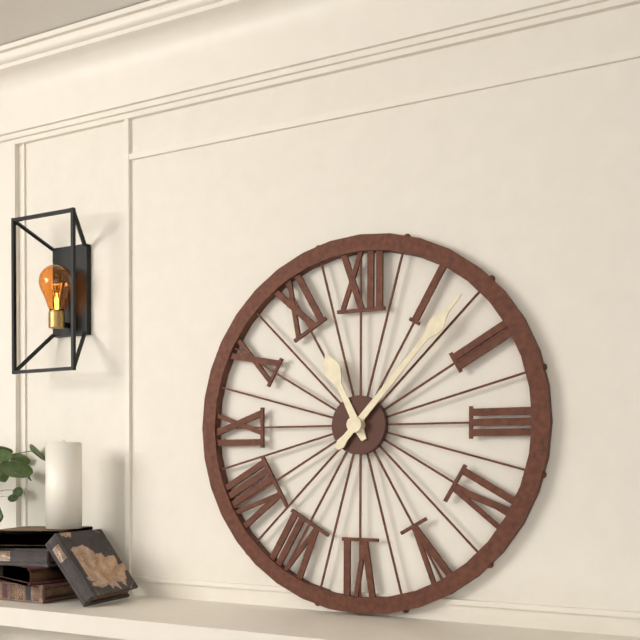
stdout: 11h07
